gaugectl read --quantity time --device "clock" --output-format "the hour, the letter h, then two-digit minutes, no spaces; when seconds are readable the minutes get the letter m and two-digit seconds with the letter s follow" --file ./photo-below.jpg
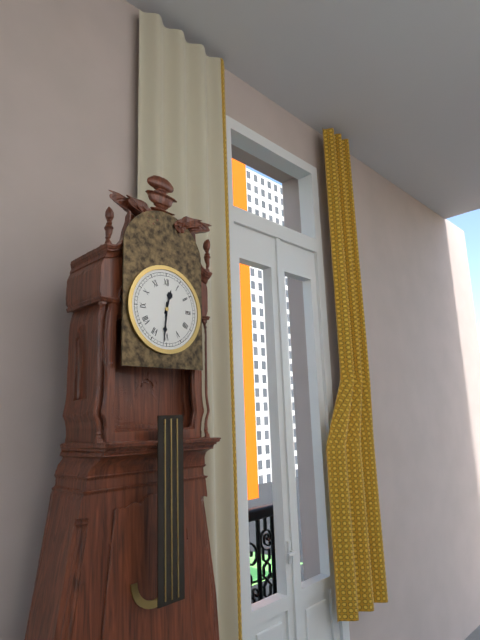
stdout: 12h31
